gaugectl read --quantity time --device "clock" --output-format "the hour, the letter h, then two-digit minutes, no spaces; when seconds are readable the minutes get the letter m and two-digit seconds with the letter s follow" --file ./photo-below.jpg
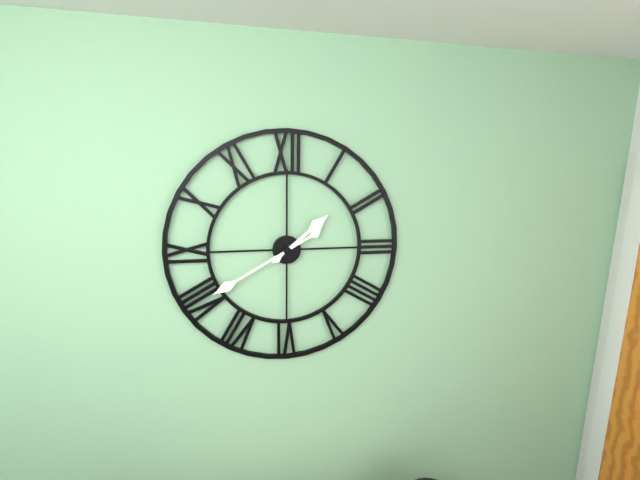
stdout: 1h40
